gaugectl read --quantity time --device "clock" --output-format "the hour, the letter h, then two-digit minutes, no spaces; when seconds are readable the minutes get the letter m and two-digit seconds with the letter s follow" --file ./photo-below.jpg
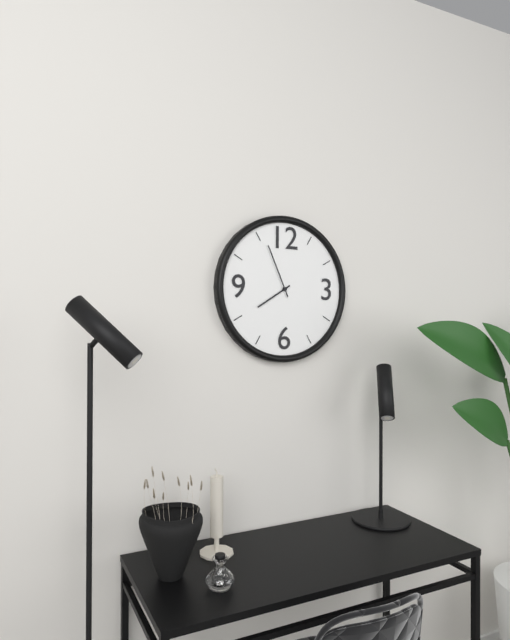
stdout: 7h56
